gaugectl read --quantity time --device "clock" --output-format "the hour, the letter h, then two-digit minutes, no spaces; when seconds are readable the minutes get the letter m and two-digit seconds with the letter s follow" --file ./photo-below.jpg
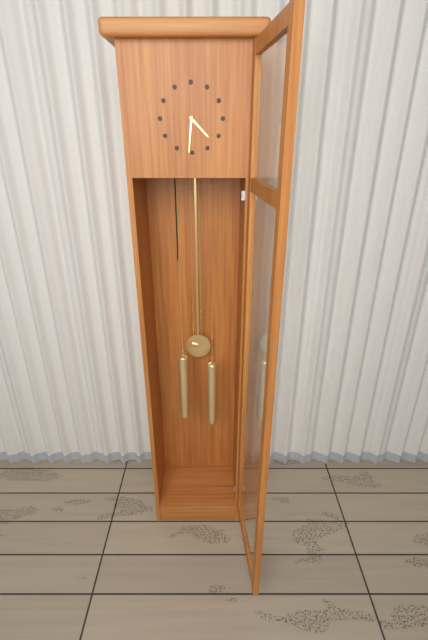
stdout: 4h31
